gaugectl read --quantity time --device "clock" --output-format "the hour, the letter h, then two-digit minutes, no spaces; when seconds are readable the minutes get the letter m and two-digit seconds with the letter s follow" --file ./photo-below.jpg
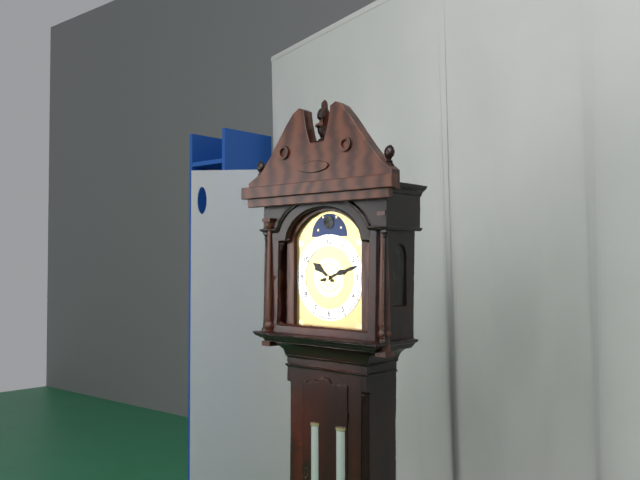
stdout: 10h12
